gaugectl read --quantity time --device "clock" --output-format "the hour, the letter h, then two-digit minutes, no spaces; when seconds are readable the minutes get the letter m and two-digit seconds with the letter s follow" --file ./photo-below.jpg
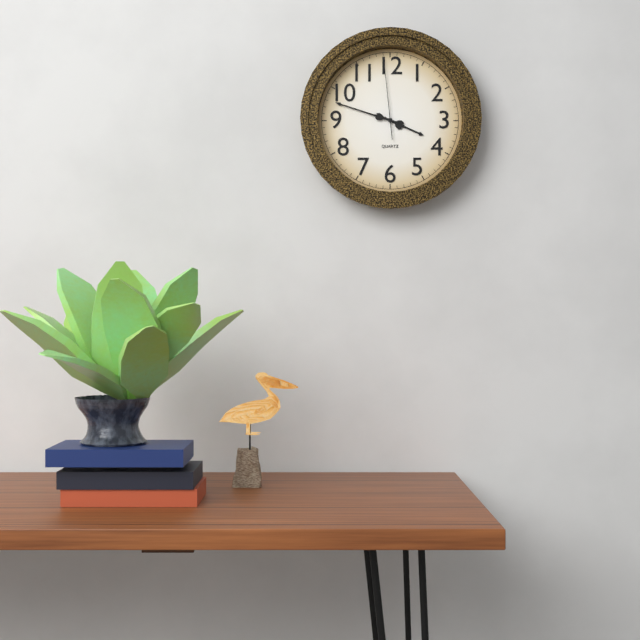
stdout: 3h48m59s
